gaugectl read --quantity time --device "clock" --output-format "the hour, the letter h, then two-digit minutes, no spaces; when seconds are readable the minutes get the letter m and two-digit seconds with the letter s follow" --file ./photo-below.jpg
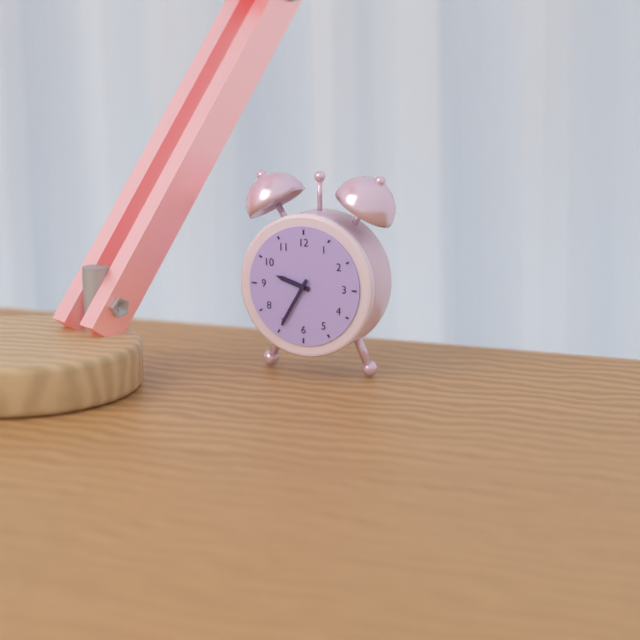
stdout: 9h35
